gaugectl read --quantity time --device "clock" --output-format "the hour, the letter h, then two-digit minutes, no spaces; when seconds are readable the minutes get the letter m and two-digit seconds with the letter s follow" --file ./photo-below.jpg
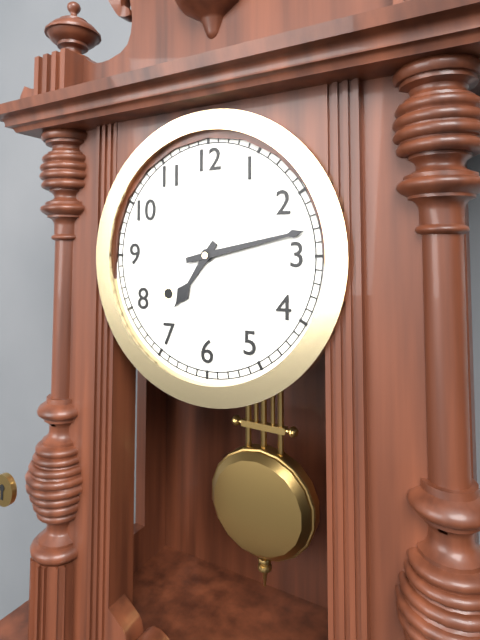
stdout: 7h13
